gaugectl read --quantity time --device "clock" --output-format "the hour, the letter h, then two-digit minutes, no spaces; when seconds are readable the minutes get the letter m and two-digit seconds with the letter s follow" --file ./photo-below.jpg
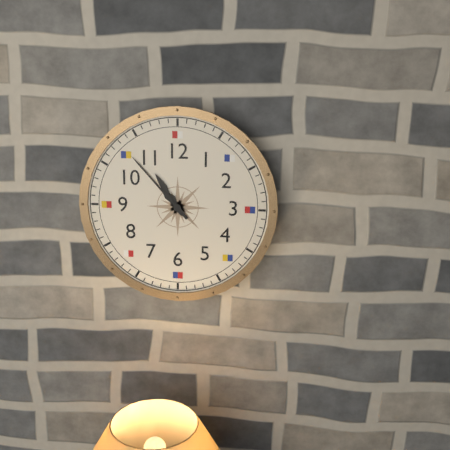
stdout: 10h53
